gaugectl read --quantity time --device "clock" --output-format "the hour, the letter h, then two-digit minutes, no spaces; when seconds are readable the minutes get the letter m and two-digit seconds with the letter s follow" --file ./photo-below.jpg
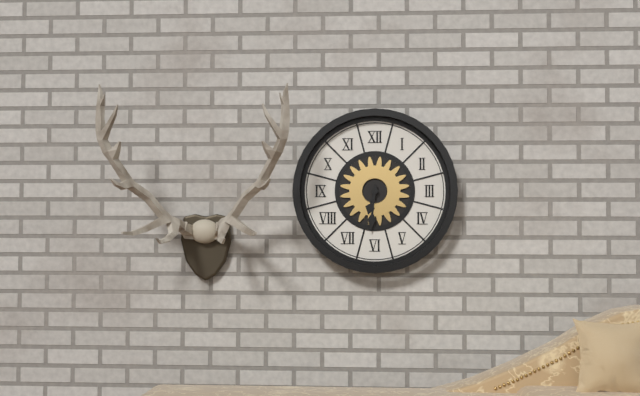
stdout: 6h31
